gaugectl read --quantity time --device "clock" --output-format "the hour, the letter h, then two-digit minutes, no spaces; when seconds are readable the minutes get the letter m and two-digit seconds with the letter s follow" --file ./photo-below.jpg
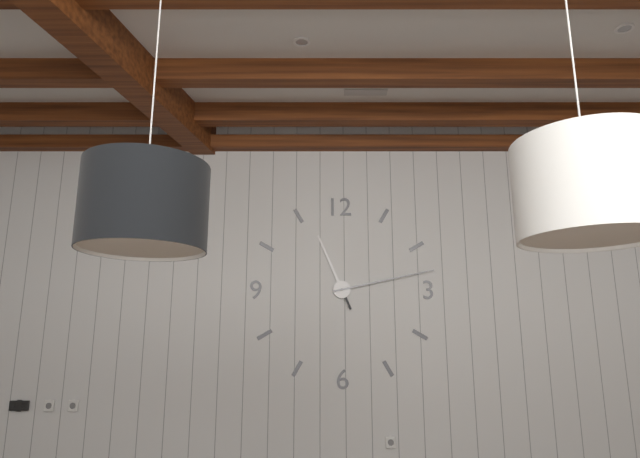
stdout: 11h13
